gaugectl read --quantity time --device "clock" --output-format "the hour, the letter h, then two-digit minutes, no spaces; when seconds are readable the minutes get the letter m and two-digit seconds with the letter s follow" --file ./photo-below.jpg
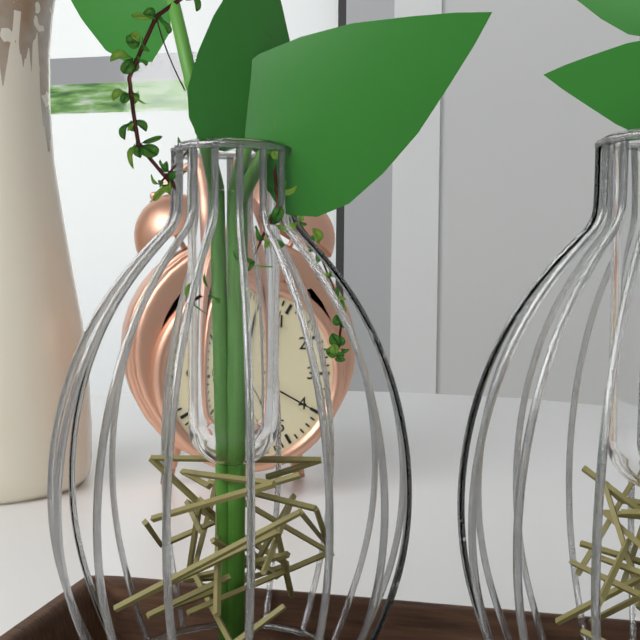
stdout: 6h04m20s
